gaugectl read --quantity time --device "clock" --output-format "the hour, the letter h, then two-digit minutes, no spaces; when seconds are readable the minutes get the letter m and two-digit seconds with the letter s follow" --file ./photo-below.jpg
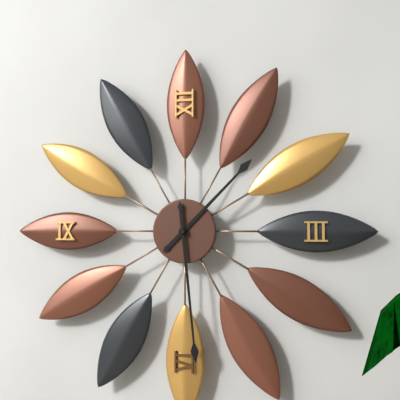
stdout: 1h29
